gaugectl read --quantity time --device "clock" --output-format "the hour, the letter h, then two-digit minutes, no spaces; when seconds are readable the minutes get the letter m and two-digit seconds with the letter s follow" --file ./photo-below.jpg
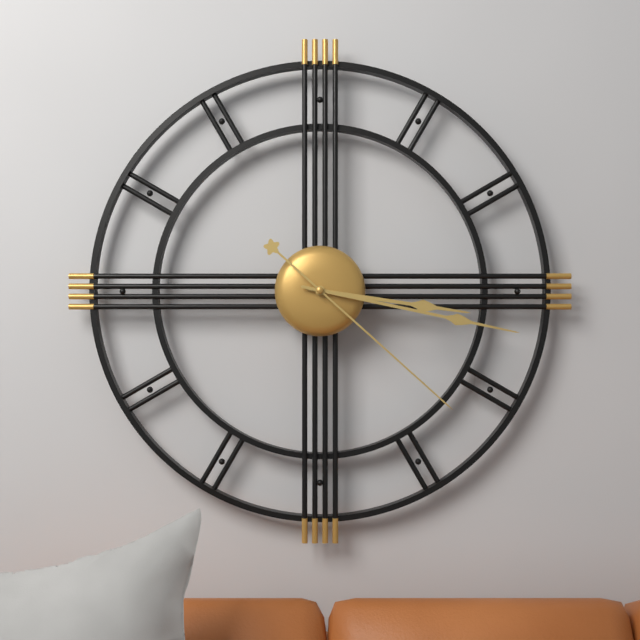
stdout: 3h17m22s
